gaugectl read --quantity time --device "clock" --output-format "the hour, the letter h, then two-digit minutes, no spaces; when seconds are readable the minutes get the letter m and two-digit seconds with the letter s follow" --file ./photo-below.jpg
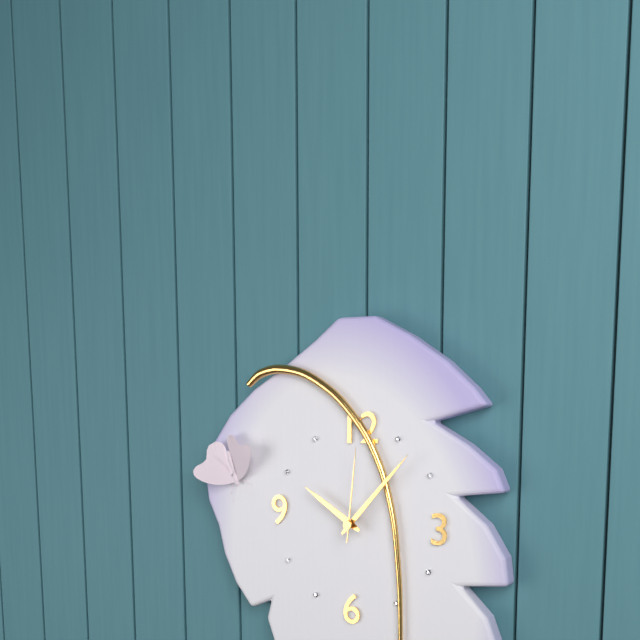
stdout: 10h07m01s
